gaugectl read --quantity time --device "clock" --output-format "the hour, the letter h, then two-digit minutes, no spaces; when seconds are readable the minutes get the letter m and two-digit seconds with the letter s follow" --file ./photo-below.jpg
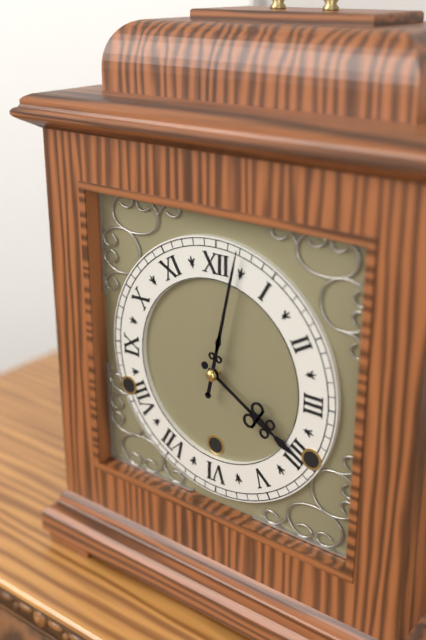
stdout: 4h02
